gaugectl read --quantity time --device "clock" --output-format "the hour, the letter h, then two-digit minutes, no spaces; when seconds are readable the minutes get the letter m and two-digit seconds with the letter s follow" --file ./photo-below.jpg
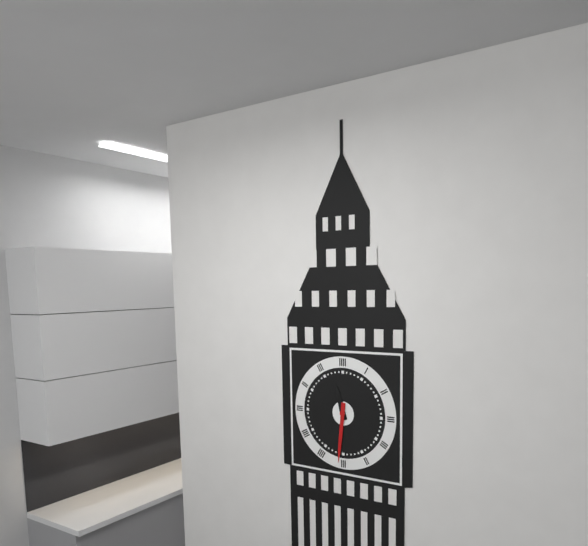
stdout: 11h31
